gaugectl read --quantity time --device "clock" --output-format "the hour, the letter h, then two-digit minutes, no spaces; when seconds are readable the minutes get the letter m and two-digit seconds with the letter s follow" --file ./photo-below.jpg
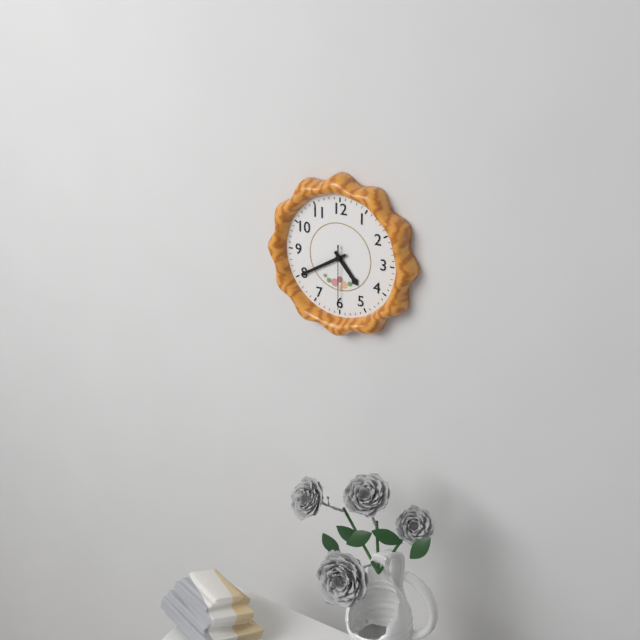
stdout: 4h40m30s
